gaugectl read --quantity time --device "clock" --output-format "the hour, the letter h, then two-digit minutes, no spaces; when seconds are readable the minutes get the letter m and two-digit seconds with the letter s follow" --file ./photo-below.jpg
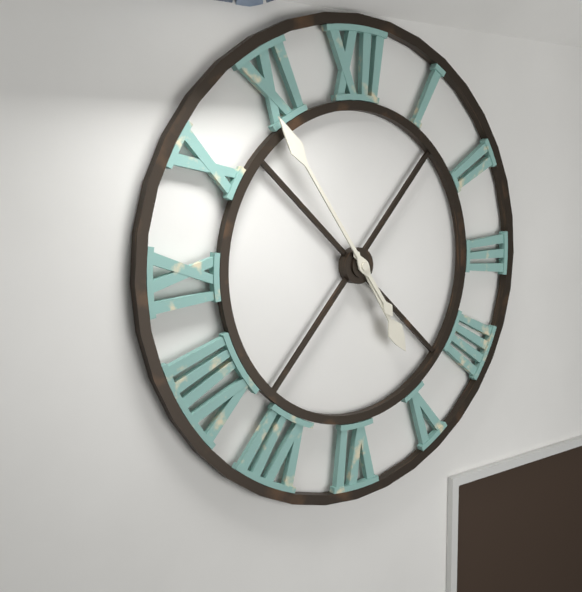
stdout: 4h54
